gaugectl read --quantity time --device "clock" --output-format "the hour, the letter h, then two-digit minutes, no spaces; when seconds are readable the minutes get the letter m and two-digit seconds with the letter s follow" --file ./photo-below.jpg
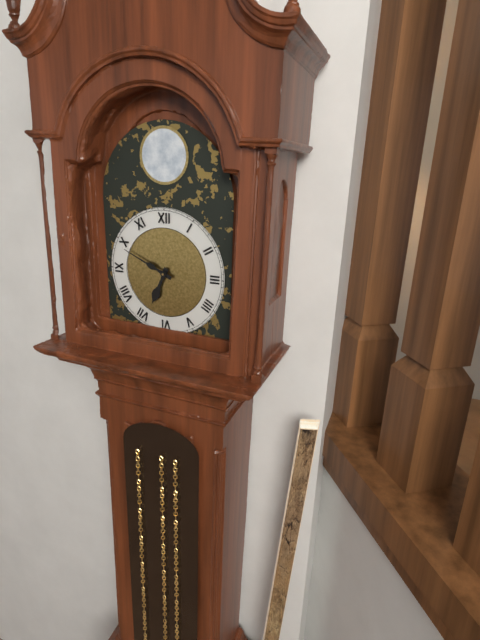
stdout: 6h49
